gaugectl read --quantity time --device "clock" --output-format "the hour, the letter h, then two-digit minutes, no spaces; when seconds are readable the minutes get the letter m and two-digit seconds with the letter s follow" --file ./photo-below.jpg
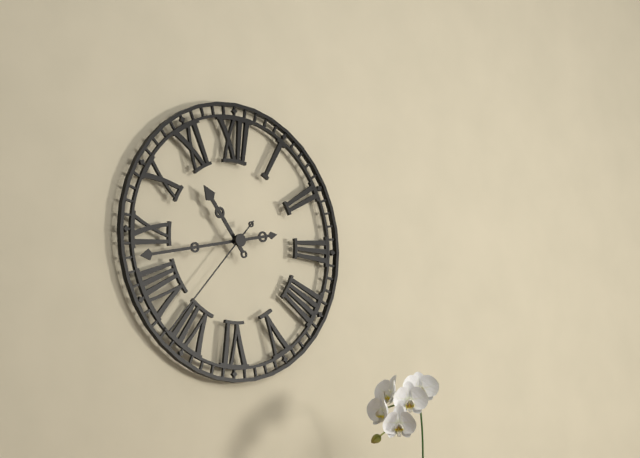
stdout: 10h43m37s
